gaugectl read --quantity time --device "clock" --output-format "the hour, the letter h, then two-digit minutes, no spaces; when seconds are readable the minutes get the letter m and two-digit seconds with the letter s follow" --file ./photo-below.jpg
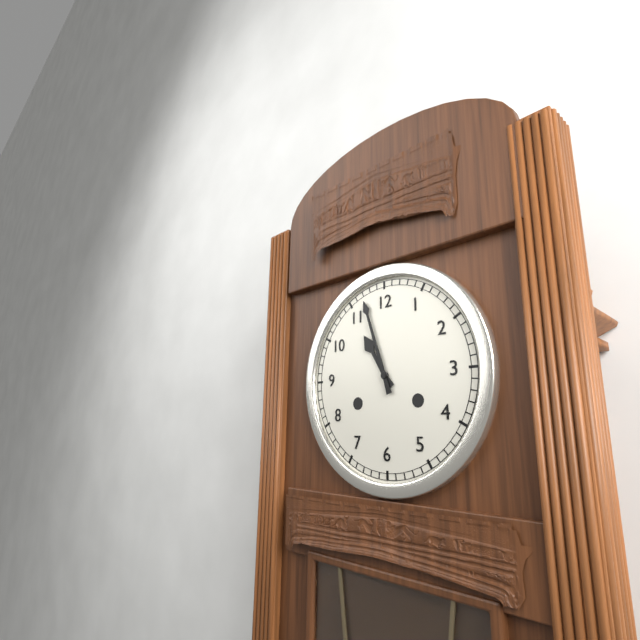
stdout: 10h57
